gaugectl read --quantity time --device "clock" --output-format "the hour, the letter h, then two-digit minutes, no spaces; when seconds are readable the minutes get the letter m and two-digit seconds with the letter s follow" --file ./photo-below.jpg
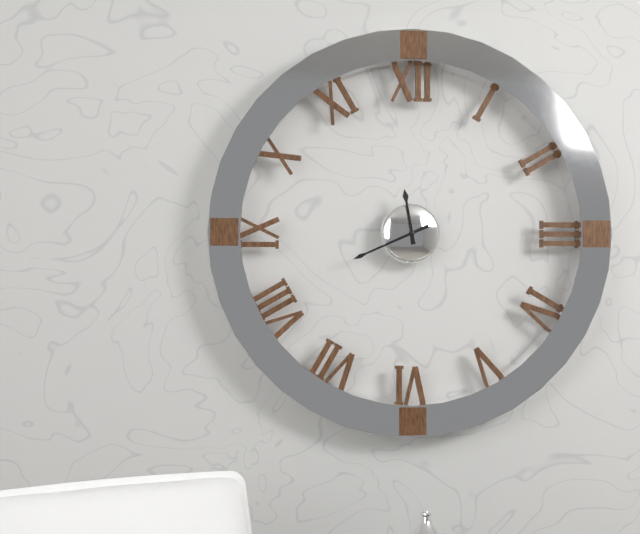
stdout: 11h41
